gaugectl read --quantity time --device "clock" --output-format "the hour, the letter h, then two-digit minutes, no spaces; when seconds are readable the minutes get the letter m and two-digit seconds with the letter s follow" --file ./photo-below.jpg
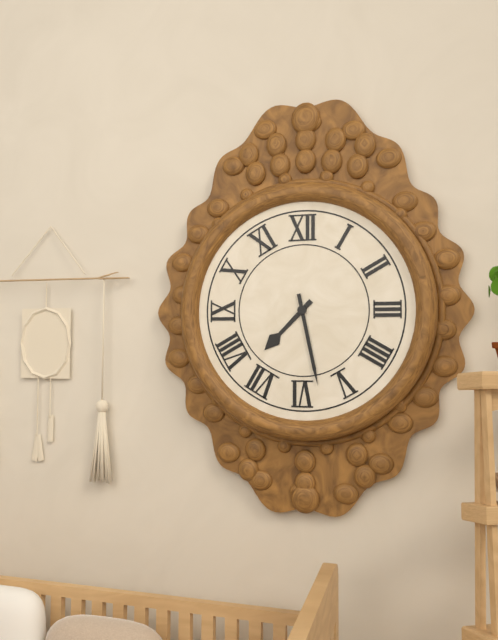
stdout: 7h28
